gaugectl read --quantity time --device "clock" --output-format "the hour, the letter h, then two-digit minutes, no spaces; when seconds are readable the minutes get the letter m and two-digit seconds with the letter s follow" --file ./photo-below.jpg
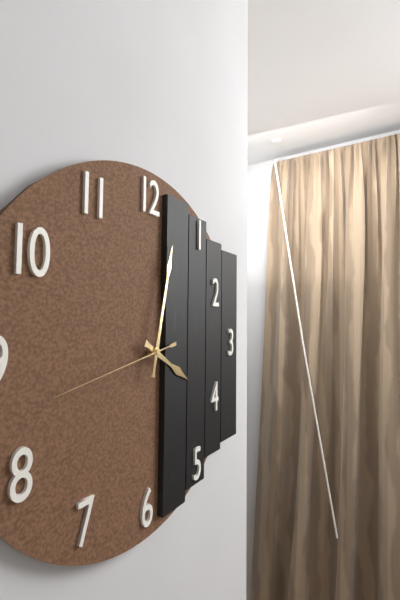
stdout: 4h02m43s
